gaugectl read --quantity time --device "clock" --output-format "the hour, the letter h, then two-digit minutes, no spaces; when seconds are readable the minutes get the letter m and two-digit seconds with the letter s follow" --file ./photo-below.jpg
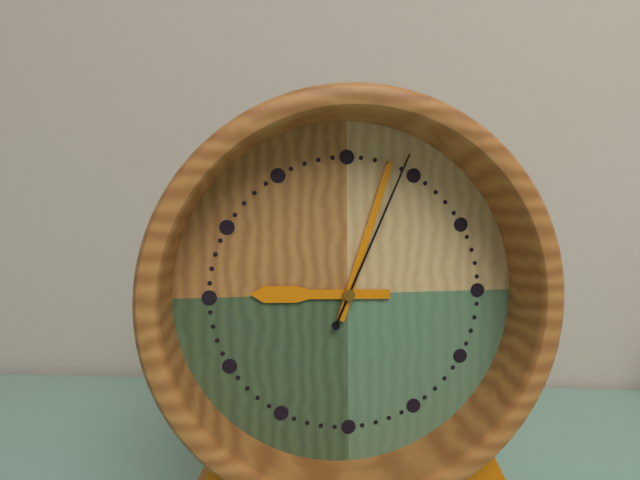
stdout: 9h03m04s
